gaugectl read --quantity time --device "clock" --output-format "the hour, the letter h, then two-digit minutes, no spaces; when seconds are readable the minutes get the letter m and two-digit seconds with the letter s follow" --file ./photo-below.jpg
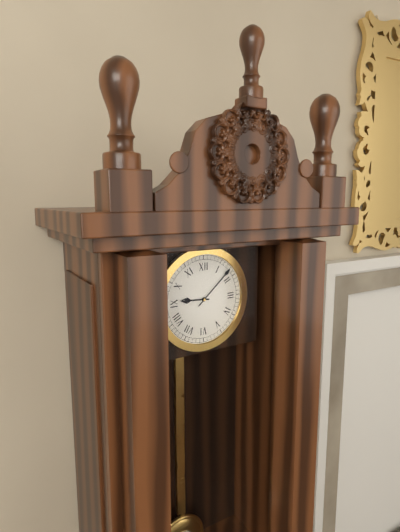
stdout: 9h08
